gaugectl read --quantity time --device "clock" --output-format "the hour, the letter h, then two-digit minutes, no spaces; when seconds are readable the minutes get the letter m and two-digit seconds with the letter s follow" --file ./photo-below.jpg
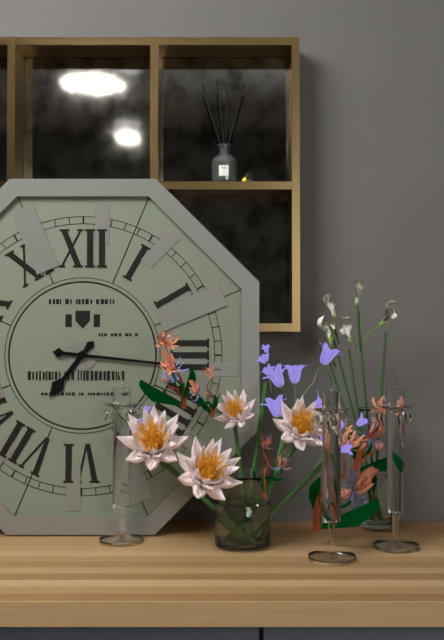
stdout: 7h16
